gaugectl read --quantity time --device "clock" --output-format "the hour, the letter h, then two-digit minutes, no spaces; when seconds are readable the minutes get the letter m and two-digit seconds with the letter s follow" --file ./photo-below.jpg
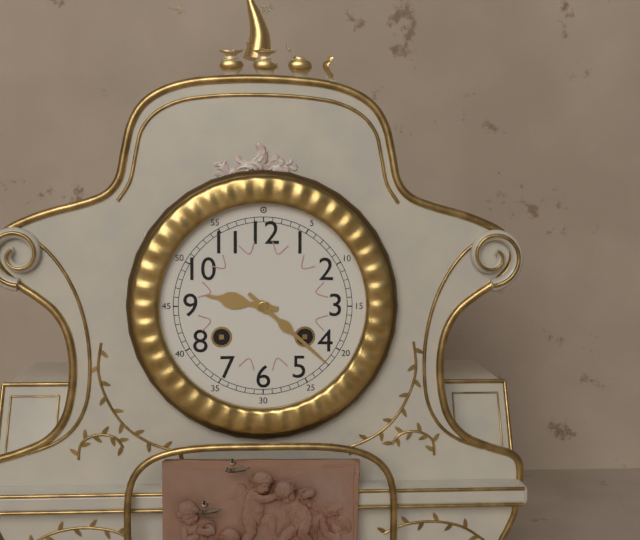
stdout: 9h22
